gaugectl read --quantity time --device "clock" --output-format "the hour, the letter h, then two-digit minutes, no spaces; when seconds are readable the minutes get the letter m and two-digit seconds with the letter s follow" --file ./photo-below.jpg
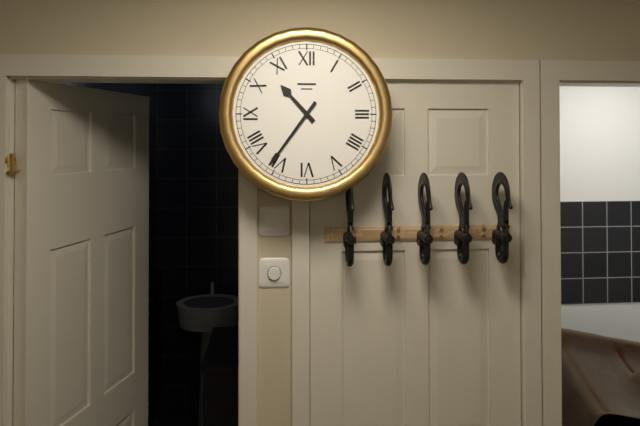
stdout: 10h36
